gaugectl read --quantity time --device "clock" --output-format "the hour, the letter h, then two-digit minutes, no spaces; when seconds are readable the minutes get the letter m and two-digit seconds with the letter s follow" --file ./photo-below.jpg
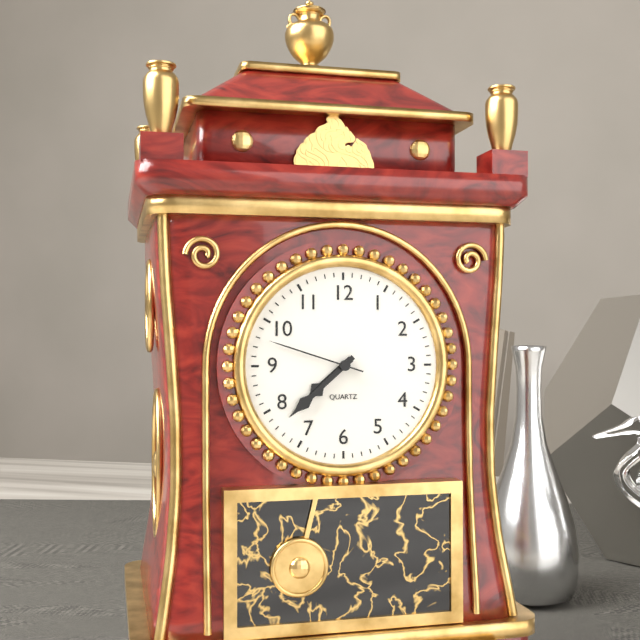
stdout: 7h38m48s
